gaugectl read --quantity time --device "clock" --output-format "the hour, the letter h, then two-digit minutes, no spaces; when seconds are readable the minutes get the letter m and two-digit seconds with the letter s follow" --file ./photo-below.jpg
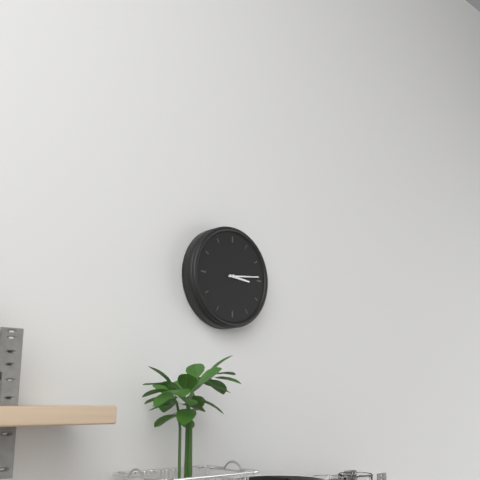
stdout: 3h14
